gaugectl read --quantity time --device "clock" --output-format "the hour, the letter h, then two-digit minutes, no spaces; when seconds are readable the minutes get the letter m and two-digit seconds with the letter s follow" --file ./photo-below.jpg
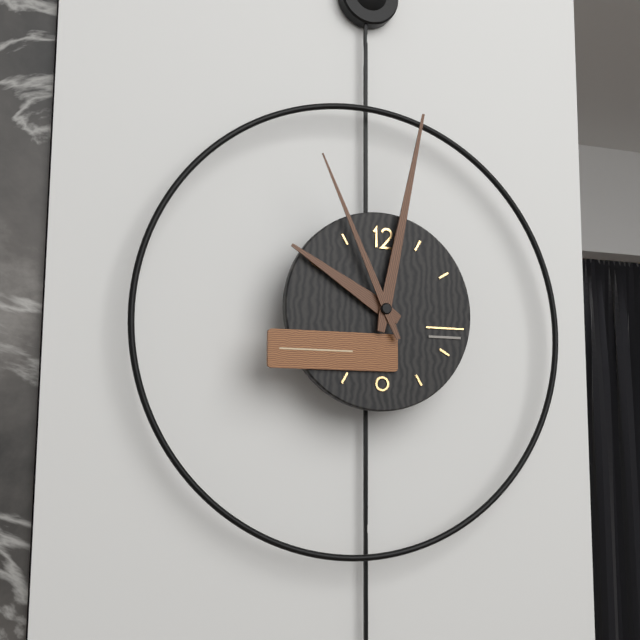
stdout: 10h02m56s
